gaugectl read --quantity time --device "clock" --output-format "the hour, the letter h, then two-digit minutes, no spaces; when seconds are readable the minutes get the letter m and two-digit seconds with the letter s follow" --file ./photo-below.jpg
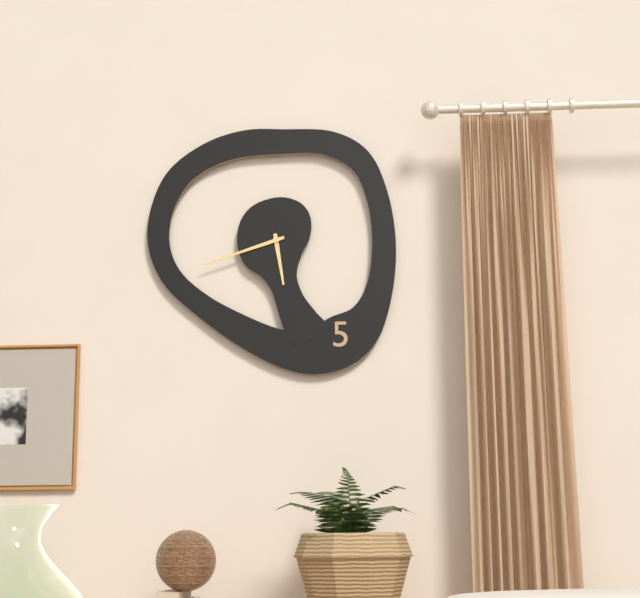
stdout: 5h42
